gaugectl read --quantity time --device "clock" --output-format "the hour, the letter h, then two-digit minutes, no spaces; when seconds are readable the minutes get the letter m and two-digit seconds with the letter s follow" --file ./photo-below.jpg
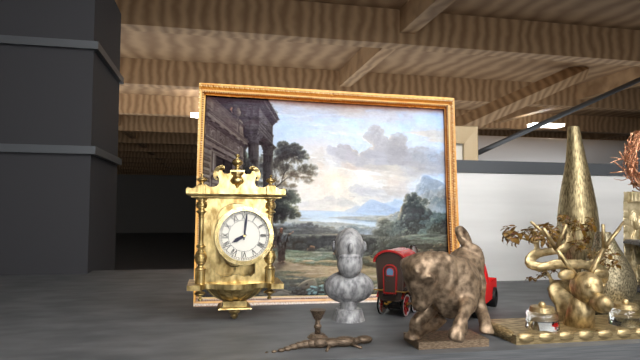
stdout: 8h01
